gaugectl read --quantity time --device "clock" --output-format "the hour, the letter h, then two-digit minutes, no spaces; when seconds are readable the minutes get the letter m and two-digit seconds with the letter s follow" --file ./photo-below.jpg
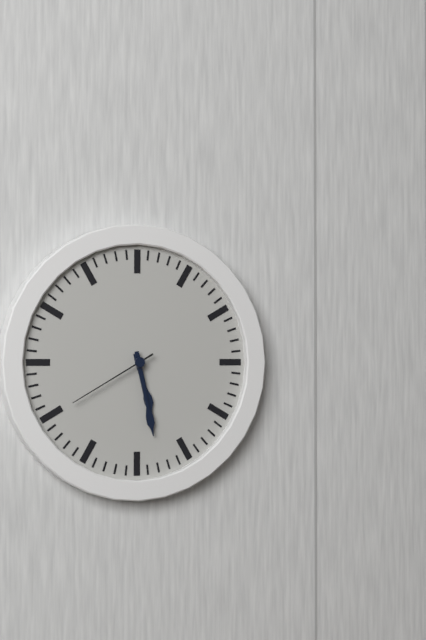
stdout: 5h28m40s
